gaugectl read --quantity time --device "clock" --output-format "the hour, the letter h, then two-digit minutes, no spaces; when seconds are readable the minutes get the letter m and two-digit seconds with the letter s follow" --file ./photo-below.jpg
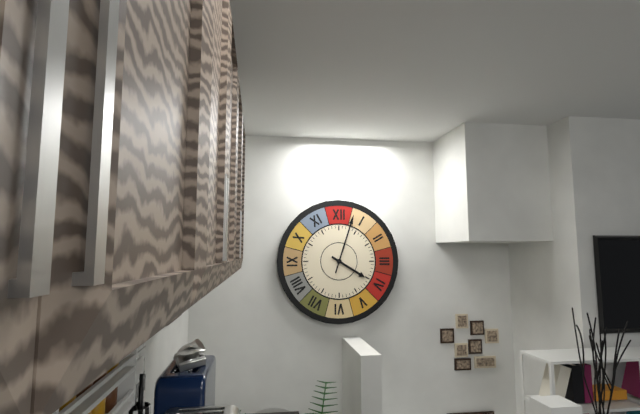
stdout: 4h03
